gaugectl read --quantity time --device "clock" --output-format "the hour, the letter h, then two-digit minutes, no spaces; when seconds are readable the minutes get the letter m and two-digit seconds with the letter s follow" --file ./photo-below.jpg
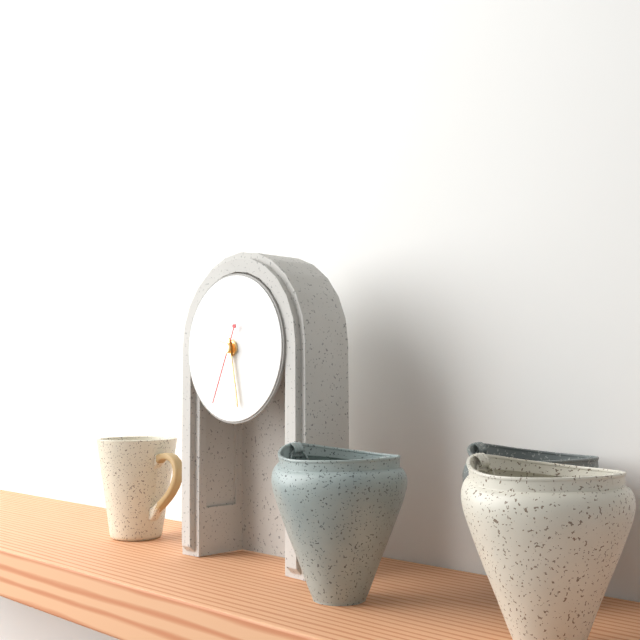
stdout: 9h28m34s
